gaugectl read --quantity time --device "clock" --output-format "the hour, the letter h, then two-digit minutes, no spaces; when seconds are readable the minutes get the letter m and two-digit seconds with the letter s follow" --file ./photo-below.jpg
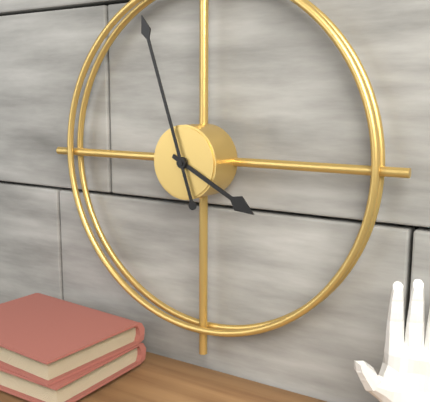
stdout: 3h57
